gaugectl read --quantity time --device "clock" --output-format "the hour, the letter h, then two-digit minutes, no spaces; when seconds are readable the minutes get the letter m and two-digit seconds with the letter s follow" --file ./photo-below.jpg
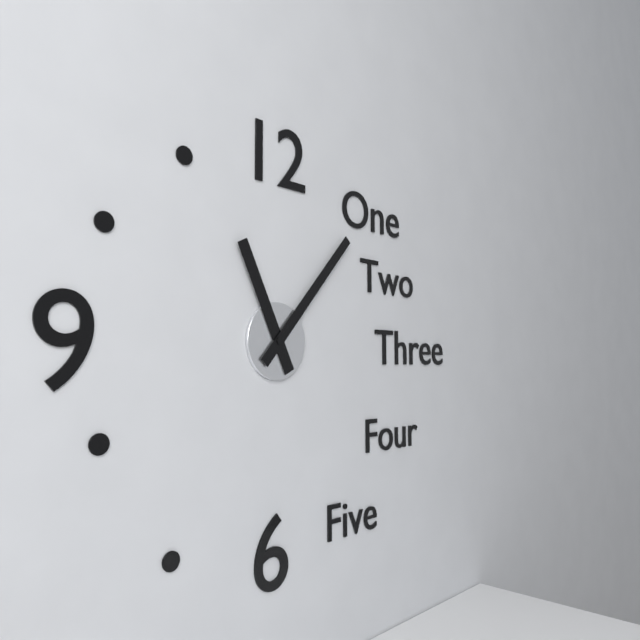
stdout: 11h07
